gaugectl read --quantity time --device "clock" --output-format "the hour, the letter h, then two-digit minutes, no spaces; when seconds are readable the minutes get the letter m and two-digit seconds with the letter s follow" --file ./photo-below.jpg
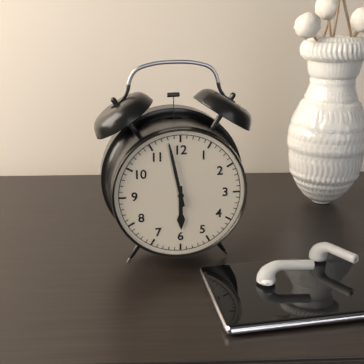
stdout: 5h58
